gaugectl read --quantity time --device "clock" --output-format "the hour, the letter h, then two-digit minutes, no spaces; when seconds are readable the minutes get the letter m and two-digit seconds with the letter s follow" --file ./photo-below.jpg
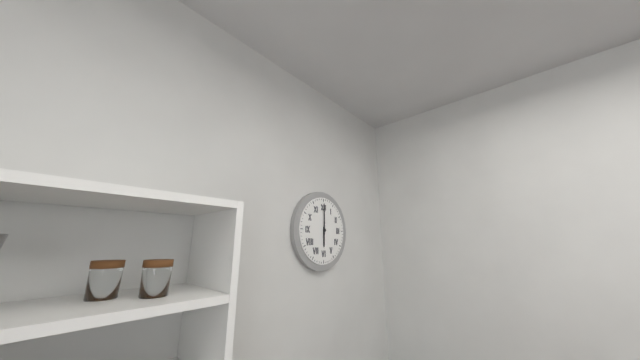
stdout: 6h00
